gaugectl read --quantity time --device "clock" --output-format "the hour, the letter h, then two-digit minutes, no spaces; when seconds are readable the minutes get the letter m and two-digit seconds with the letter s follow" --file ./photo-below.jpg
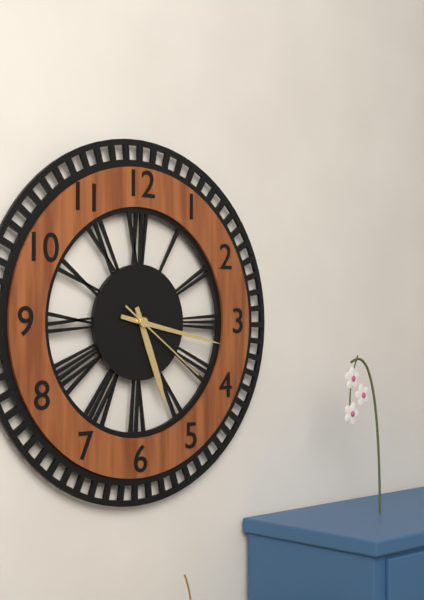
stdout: 5h17m21s
